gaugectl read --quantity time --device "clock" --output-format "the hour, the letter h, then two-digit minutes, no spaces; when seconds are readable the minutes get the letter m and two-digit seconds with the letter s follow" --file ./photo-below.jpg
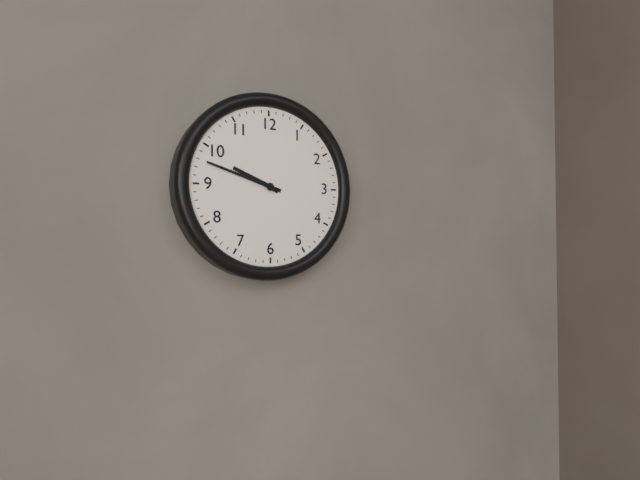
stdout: 9h48
